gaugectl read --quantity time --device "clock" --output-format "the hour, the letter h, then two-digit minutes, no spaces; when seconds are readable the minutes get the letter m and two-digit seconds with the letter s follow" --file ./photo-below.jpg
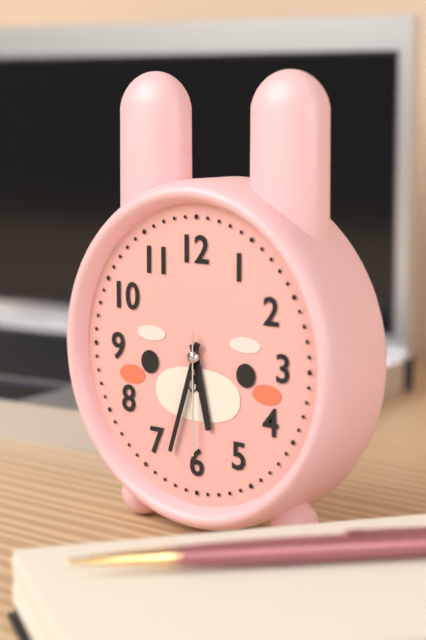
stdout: 5h33m30s
